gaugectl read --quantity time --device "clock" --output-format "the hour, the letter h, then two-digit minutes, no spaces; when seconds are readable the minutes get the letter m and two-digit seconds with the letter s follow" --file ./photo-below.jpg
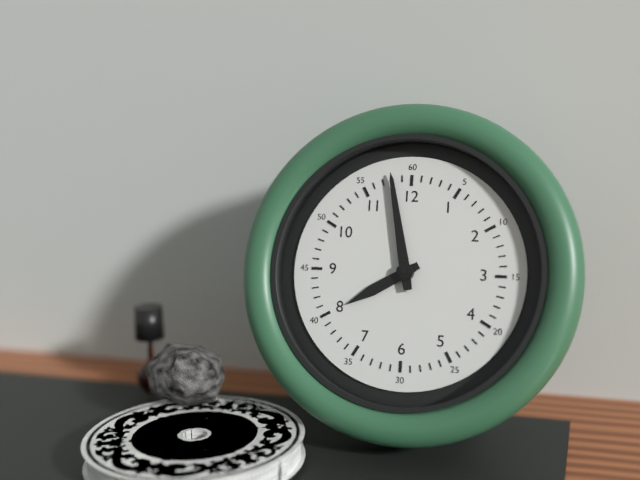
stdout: 7h58
